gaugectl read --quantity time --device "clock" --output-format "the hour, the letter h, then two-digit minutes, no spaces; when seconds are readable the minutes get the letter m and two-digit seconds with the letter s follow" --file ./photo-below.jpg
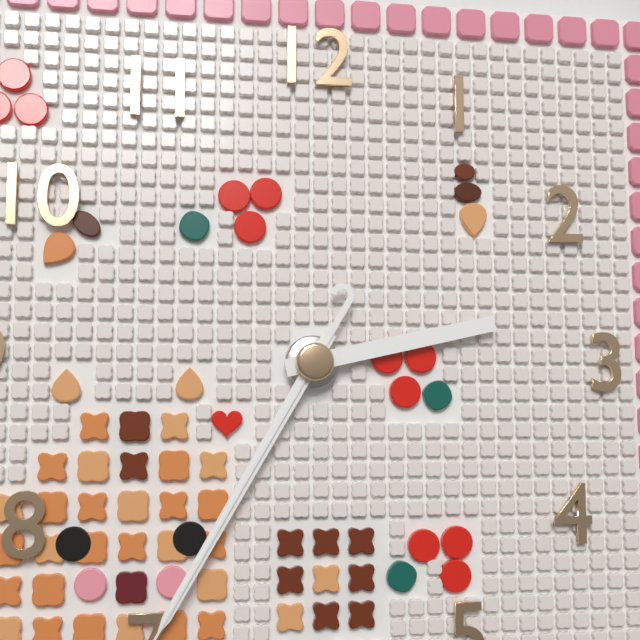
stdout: 2h35
